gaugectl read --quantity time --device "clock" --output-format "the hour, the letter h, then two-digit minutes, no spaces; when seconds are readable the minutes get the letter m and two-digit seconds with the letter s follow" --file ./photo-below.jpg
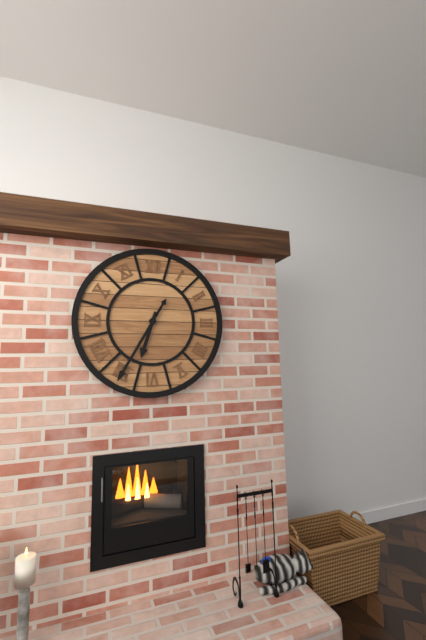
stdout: 6h35
